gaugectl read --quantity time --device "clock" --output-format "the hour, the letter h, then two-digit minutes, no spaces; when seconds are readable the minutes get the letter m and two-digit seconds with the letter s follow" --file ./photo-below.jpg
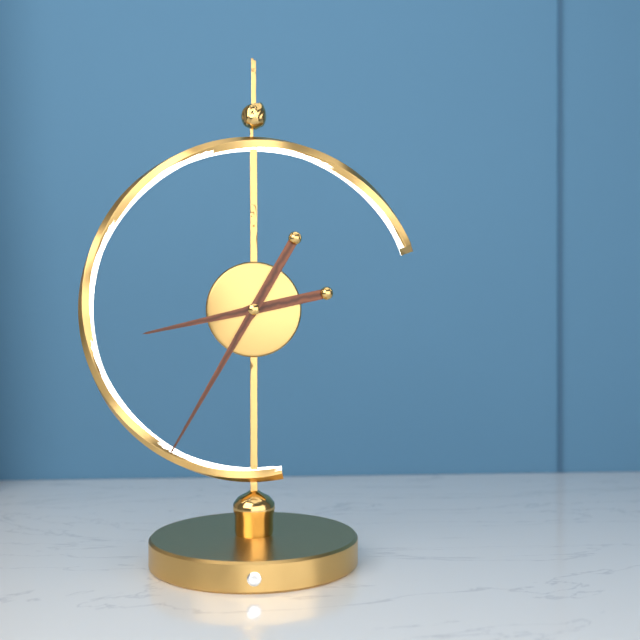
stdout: 8h35
